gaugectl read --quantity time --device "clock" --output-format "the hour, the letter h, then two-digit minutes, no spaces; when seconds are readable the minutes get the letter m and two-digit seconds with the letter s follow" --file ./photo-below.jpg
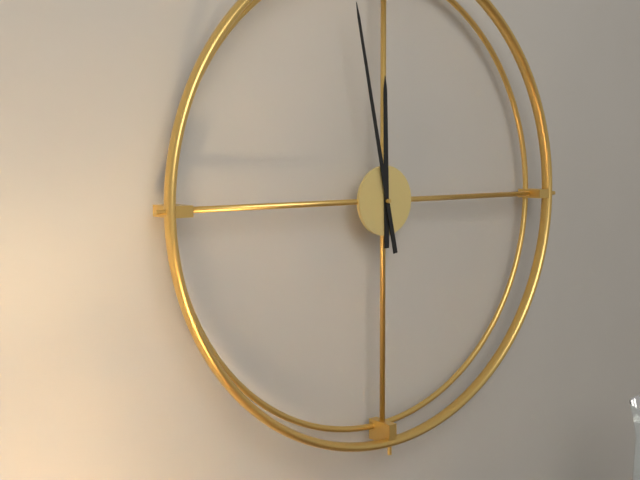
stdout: 11h58
